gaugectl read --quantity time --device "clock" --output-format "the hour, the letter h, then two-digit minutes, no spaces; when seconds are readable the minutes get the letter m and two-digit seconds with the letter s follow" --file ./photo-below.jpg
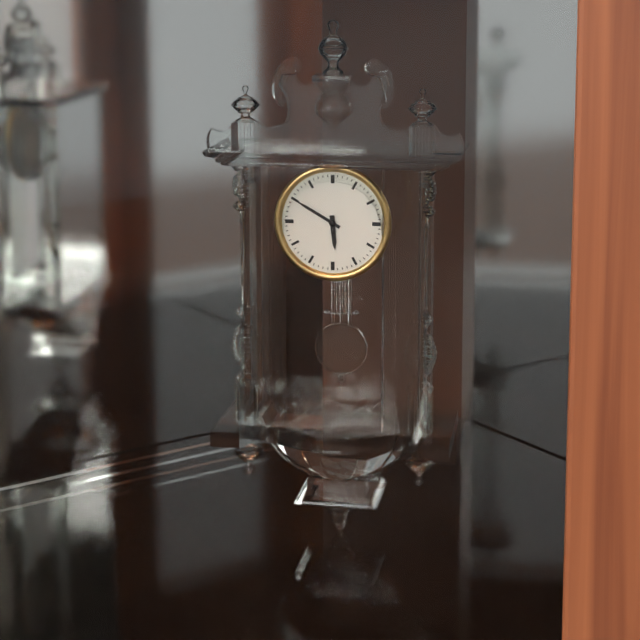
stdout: 5h50
